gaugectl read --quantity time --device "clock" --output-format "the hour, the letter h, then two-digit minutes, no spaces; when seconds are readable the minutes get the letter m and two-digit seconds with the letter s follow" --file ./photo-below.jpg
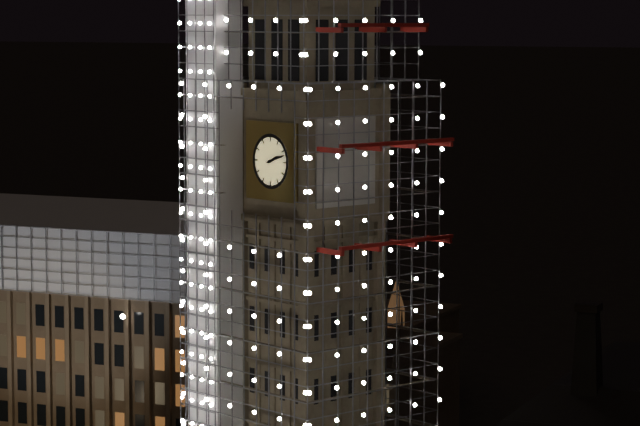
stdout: 2h12
